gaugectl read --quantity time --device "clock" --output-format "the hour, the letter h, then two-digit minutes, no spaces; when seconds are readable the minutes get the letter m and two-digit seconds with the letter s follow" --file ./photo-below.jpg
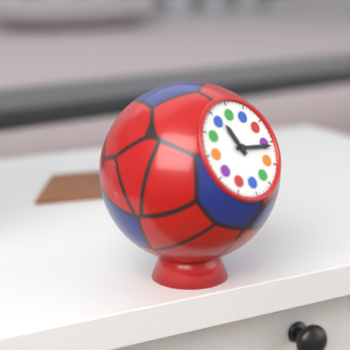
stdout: 11h16
